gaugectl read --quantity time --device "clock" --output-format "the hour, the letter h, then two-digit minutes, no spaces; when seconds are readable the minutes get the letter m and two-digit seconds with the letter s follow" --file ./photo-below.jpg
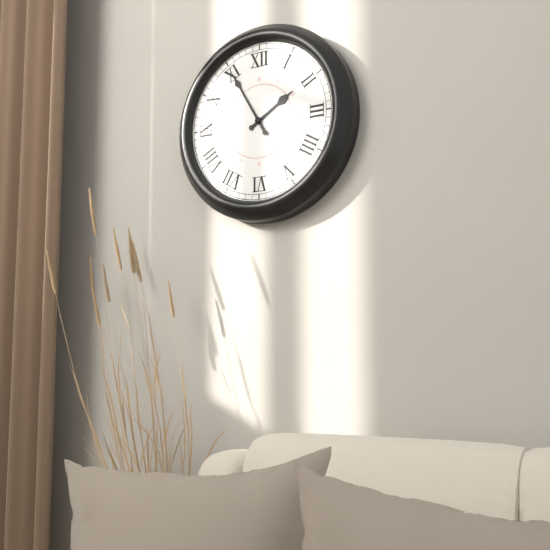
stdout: 1h55
